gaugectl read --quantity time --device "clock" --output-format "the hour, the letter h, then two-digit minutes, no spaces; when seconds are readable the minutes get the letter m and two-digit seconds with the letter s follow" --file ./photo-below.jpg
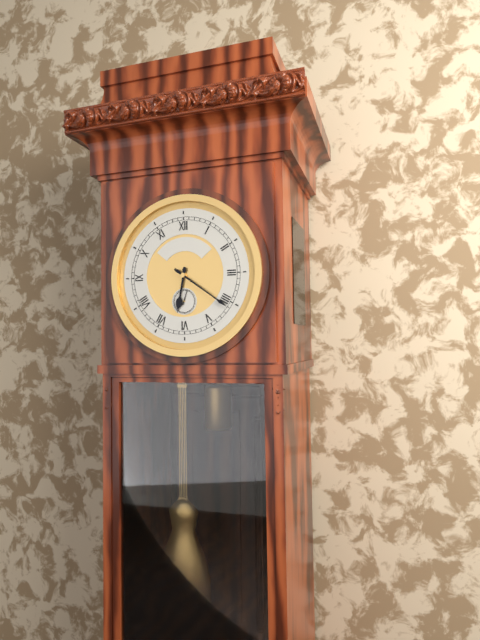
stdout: 6h21
